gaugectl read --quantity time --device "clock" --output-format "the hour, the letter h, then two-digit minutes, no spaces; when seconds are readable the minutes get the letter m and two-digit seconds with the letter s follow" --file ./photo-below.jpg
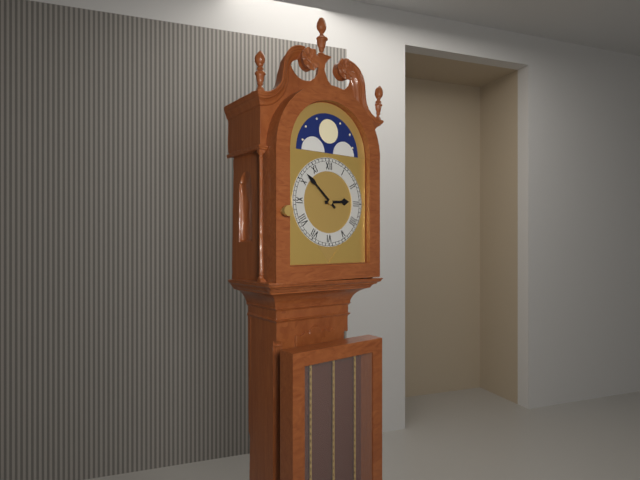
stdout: 2h52
